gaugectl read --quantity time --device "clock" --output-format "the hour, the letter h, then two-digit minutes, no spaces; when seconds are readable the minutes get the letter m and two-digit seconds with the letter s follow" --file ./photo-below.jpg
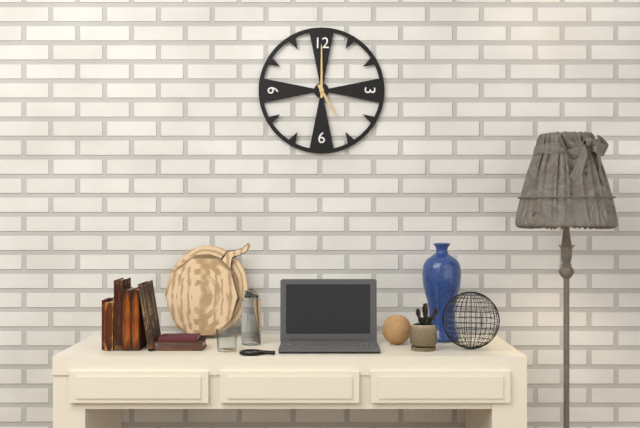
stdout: 5h00
